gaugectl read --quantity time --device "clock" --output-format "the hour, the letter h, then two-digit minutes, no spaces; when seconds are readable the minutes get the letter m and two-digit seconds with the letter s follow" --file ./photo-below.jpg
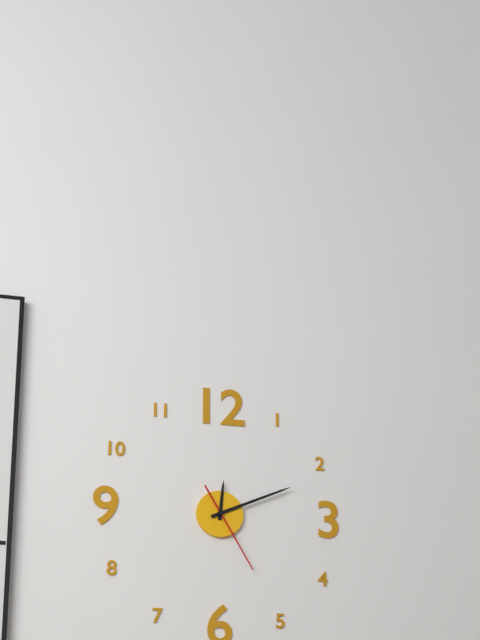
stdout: 12h11m25s
